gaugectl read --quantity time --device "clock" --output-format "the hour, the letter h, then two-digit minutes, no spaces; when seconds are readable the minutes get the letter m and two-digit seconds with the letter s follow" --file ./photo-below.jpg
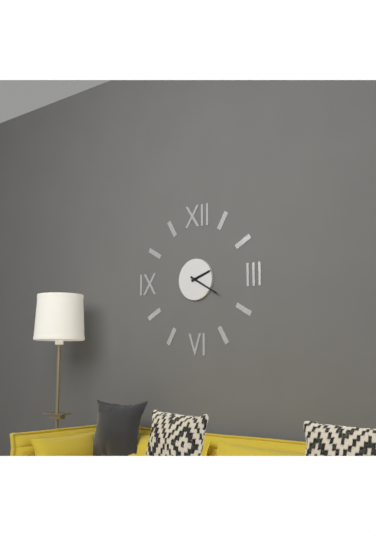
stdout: 2h20
